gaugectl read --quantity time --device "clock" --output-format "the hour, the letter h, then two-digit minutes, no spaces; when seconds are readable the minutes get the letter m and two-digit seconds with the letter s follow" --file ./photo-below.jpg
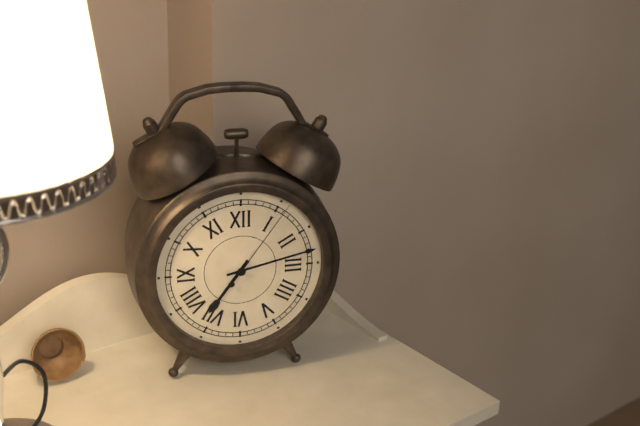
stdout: 7h13m06s
